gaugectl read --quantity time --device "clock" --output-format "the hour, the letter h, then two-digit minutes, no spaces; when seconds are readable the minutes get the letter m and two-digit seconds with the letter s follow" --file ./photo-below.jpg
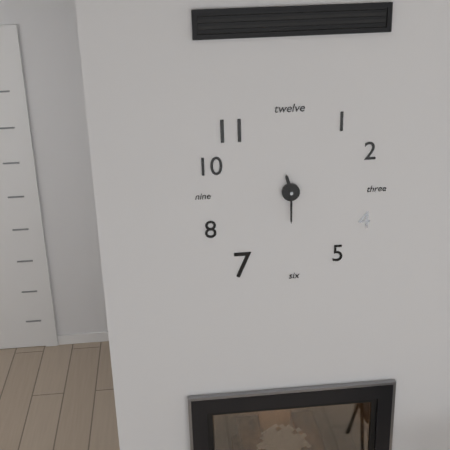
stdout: 11h30
